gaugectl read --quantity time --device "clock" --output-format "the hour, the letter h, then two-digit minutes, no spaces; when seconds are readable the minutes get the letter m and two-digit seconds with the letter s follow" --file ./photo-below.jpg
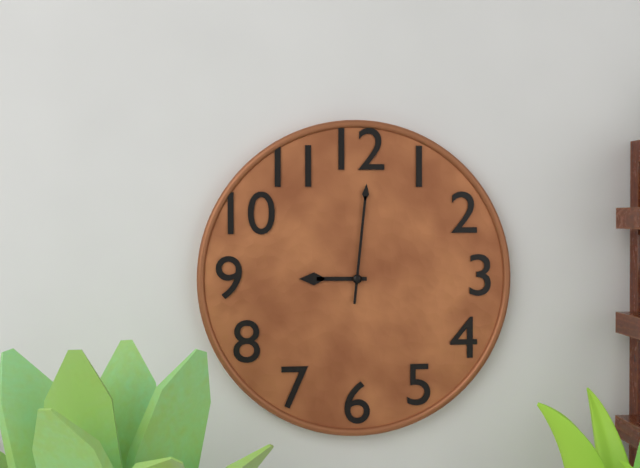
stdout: 9h01
